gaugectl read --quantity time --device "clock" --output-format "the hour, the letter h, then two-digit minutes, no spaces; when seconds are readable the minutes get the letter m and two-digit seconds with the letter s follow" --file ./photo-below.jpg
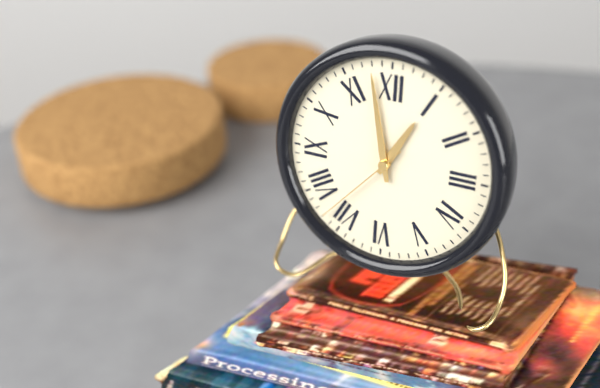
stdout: 12h58m37s
